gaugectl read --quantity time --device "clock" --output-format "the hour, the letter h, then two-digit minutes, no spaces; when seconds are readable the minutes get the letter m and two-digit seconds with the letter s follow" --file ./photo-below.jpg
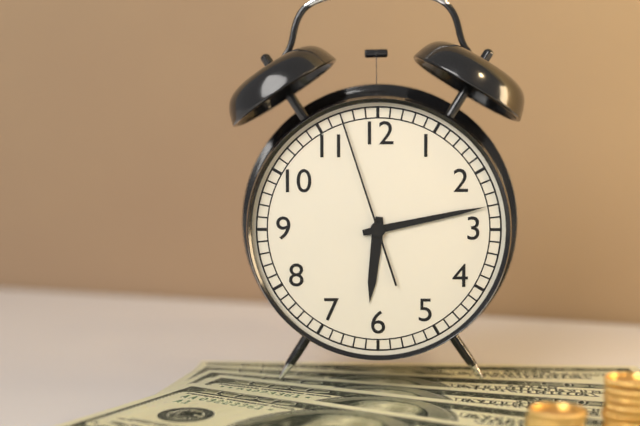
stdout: 6h13m57s
